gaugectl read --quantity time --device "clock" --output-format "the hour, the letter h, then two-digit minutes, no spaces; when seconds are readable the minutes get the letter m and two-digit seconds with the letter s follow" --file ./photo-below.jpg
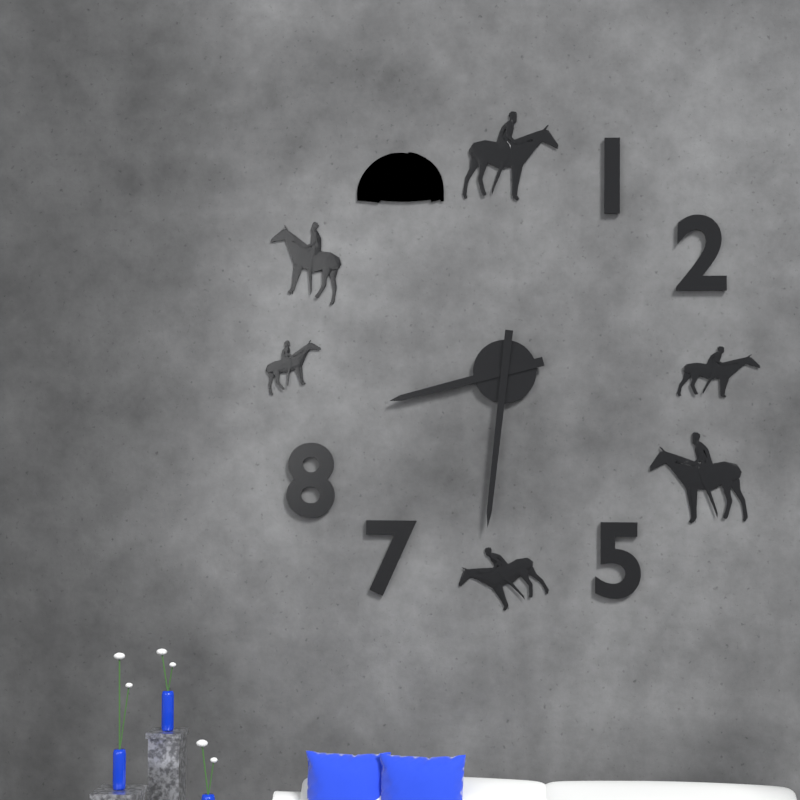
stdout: 8h31
